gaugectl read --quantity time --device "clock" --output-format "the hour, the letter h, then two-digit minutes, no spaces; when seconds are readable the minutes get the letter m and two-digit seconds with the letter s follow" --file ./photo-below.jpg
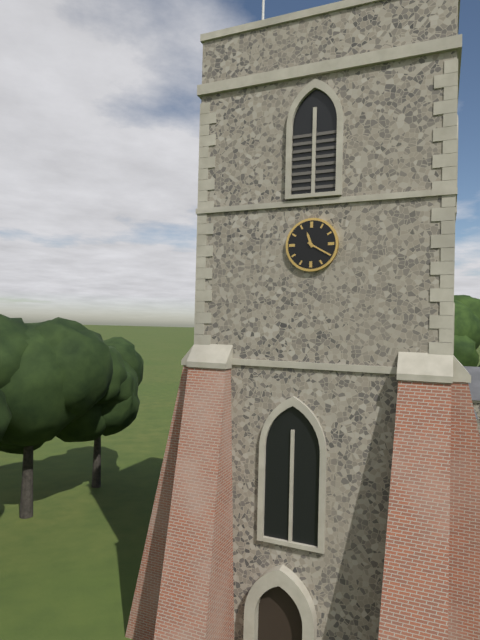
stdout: 11h20
